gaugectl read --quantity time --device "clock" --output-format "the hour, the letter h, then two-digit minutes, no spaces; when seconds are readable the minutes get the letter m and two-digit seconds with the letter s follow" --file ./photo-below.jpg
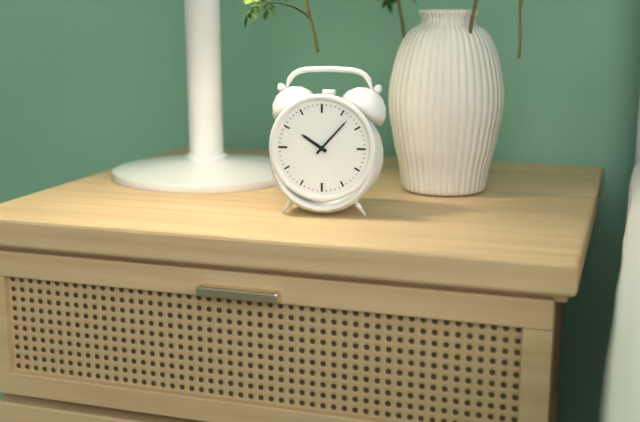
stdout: 10h07
